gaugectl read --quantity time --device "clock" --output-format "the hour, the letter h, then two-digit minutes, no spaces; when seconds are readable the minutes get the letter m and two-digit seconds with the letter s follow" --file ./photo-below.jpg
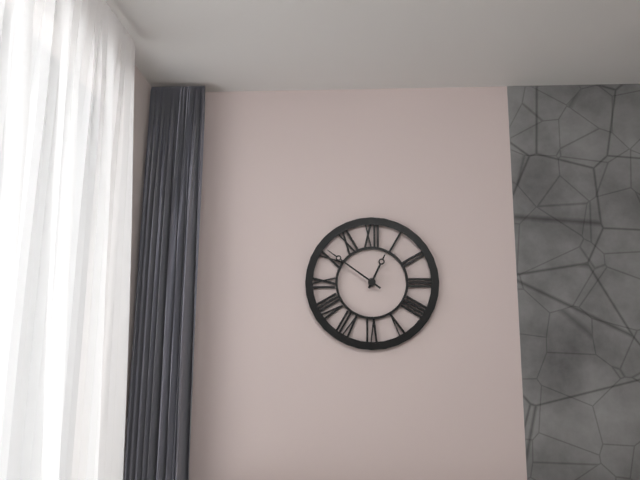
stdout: 12h51
